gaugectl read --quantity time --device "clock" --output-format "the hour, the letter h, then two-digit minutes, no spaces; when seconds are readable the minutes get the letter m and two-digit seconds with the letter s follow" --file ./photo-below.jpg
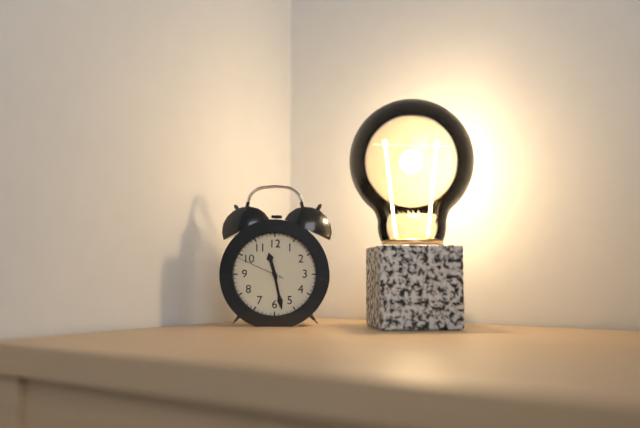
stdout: 11h28
